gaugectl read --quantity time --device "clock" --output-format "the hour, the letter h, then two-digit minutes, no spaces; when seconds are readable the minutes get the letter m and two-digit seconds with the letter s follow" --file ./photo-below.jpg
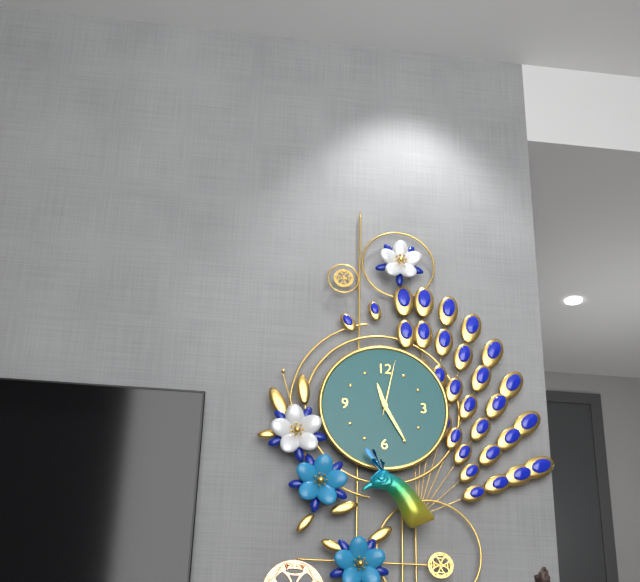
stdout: 11h25m02s
